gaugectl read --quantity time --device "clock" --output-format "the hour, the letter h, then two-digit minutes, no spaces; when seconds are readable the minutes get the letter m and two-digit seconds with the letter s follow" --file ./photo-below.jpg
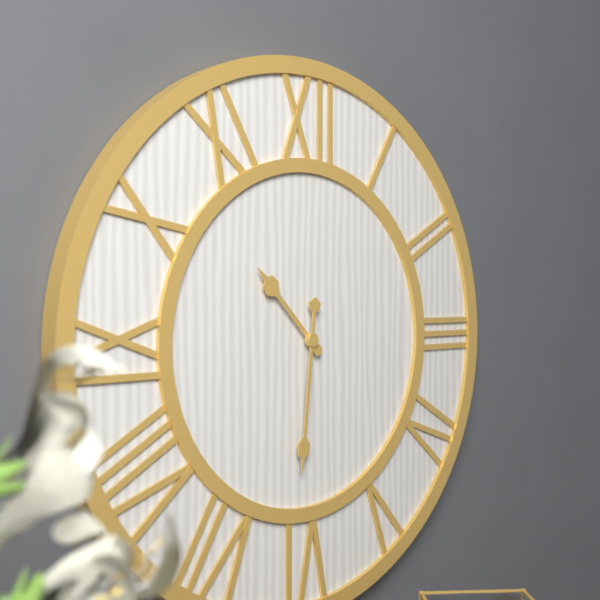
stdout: 10h31
